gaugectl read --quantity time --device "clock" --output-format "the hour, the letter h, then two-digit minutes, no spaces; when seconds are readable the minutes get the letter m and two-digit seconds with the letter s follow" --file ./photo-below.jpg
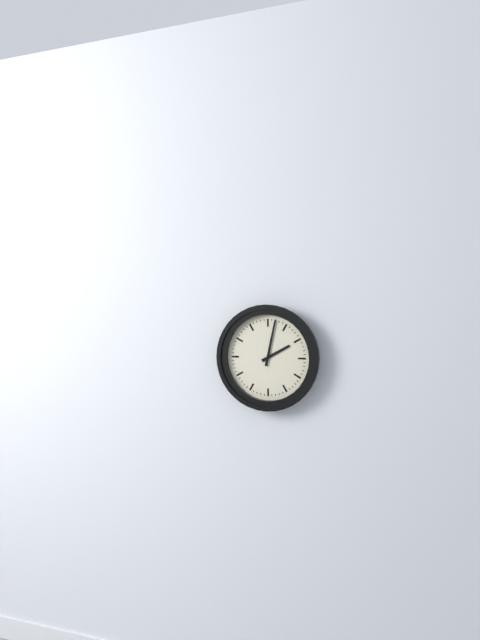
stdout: 2h02
